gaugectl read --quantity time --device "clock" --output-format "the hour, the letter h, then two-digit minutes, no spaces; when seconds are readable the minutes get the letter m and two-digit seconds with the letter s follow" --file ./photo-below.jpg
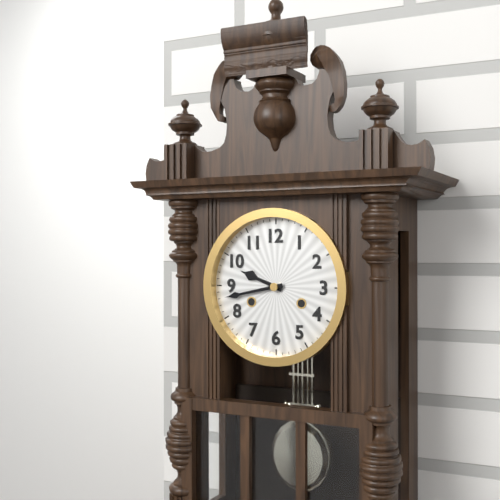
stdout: 9h43
